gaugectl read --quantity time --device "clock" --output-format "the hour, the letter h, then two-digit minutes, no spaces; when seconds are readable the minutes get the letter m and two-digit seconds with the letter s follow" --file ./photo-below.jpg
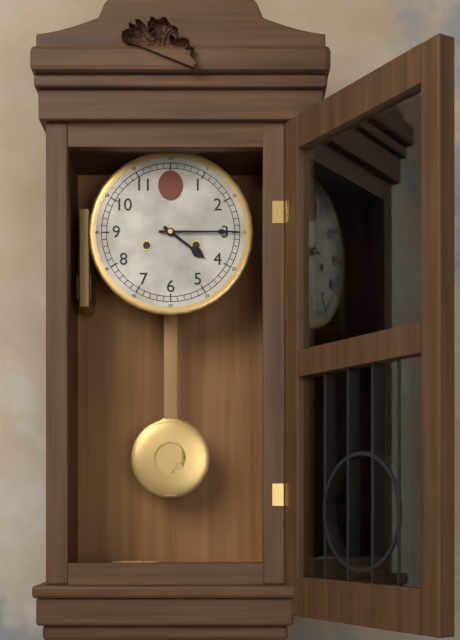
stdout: 4h15
